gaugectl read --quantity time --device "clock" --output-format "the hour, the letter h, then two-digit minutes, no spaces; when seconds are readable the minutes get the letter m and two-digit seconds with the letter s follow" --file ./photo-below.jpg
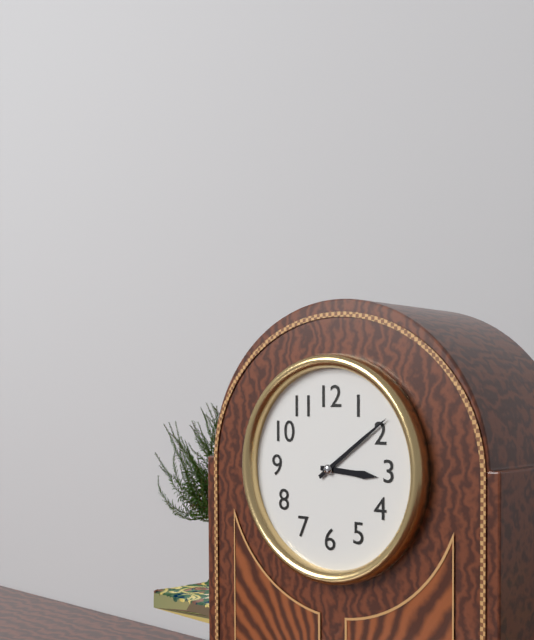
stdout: 3h09
